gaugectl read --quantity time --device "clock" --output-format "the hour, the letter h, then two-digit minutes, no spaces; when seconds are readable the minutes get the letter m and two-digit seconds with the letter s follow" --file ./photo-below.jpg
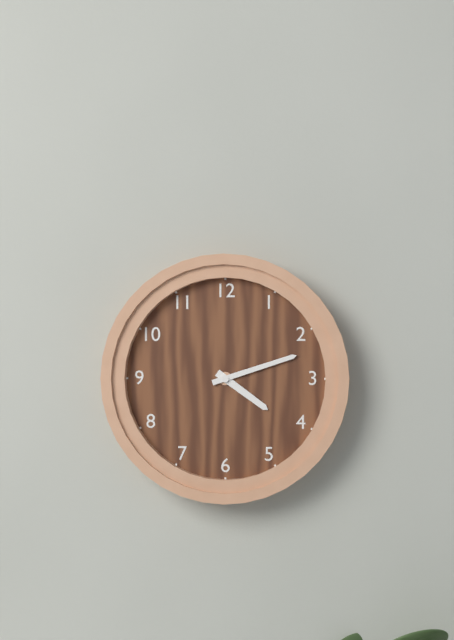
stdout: 4h12
